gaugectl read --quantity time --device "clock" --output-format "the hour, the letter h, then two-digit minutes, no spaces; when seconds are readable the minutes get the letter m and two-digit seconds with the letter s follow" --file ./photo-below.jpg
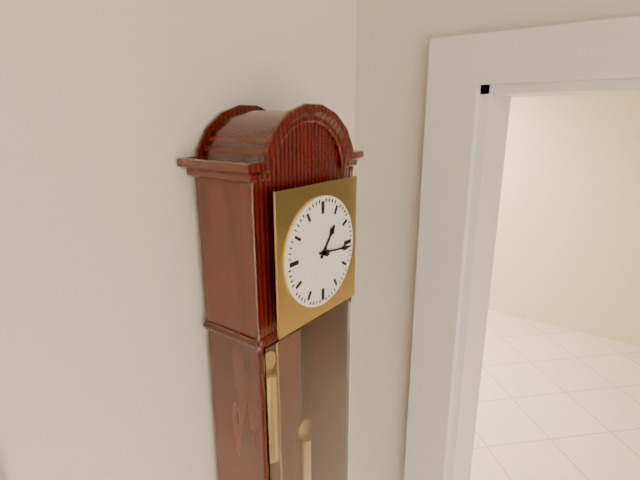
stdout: 1h16
